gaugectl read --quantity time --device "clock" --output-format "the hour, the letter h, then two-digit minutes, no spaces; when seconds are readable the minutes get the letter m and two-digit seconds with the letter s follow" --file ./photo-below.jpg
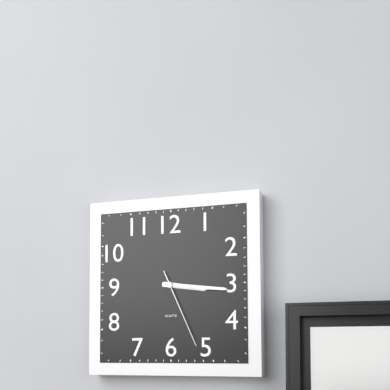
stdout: 3h16m26s
